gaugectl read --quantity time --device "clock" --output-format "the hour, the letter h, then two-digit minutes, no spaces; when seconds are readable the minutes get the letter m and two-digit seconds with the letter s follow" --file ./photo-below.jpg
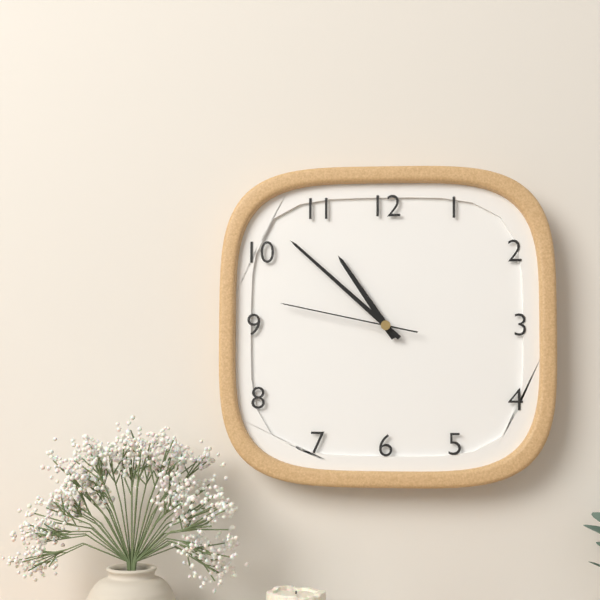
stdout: 10h52m47s
